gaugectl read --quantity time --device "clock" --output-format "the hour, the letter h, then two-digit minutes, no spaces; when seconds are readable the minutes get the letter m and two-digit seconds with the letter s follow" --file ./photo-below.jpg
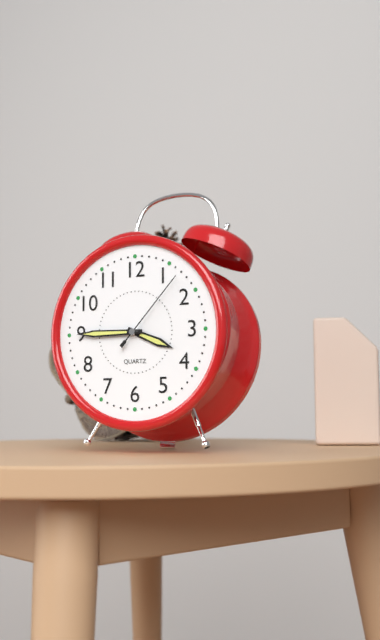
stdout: 3h45m07s
